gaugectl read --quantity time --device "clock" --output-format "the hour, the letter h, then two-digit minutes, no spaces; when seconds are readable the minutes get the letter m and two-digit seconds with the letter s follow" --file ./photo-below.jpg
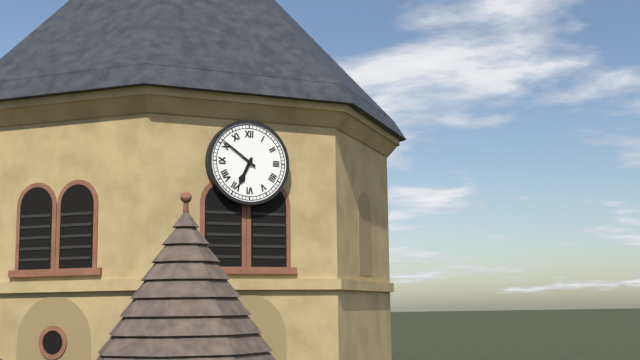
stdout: 6h51
